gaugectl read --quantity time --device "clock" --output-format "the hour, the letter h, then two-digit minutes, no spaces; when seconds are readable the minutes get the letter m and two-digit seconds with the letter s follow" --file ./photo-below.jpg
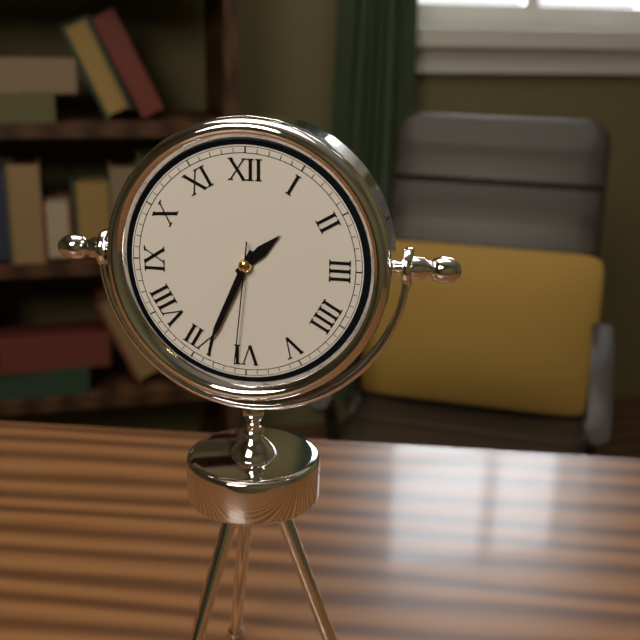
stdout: 1h34m31s
